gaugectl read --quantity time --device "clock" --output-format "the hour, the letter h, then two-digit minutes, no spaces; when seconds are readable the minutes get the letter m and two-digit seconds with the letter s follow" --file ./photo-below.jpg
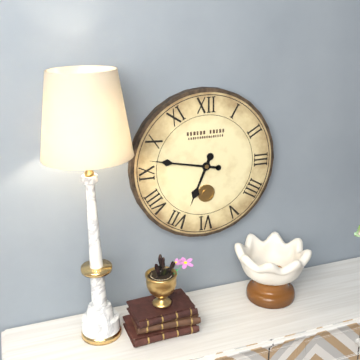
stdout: 6h47
